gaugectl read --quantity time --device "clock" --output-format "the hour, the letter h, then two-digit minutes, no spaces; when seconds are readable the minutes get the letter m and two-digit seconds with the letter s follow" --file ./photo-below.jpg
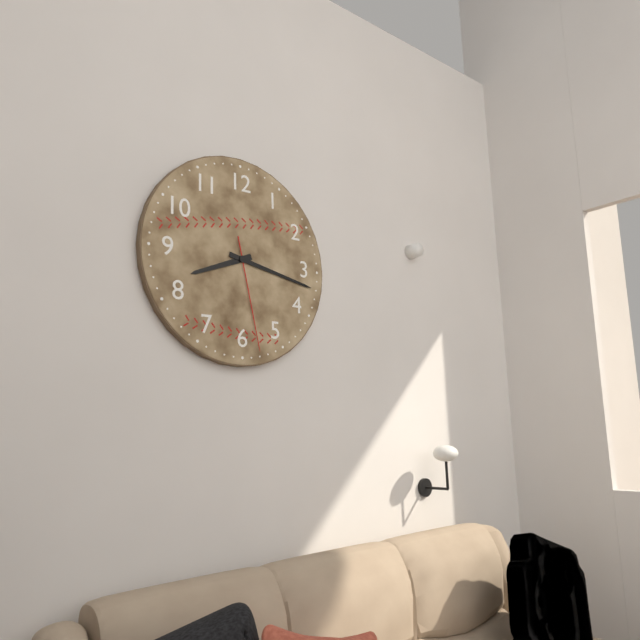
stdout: 8h17m28s
